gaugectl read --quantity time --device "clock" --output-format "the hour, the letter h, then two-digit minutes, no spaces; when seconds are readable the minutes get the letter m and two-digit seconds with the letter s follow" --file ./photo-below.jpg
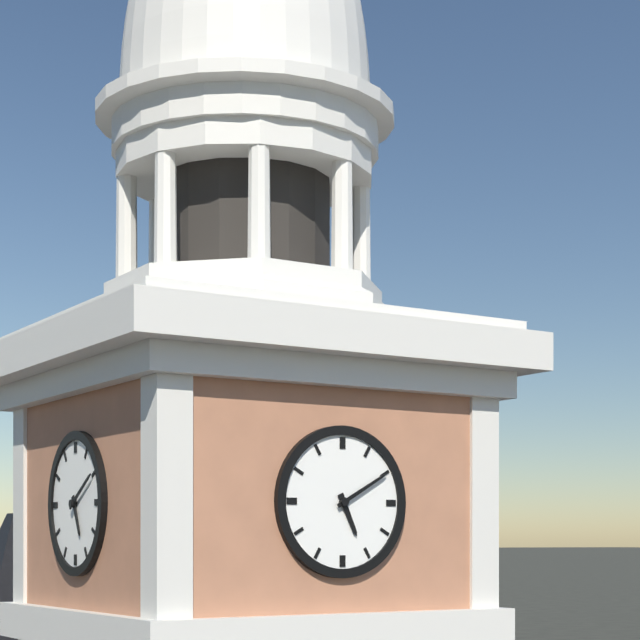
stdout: 5h10
